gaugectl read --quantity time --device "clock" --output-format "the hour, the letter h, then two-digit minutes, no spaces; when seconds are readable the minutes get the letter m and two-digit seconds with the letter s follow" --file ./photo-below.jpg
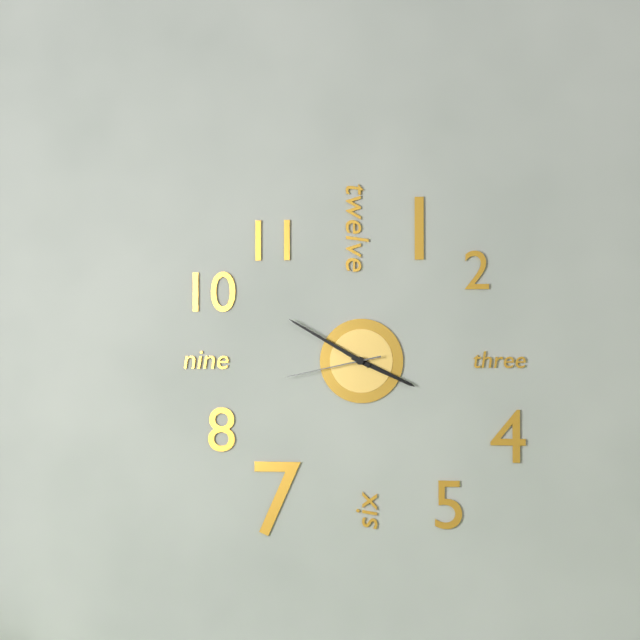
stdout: 3h50m43s
